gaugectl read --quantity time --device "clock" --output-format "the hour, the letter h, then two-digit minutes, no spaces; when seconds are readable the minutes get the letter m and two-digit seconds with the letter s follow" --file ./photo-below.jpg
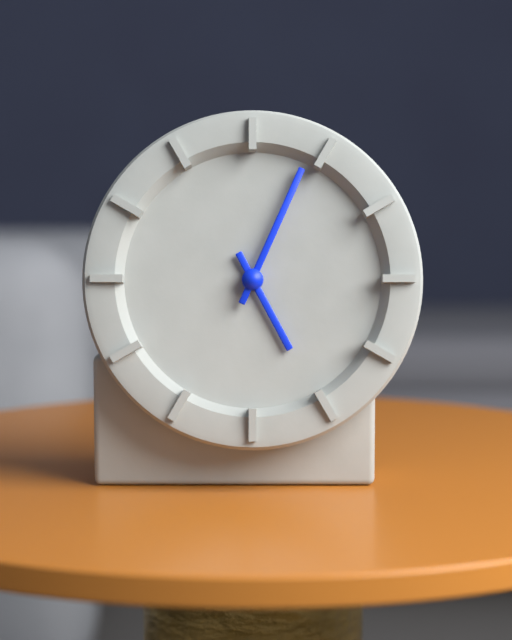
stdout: 5h04
